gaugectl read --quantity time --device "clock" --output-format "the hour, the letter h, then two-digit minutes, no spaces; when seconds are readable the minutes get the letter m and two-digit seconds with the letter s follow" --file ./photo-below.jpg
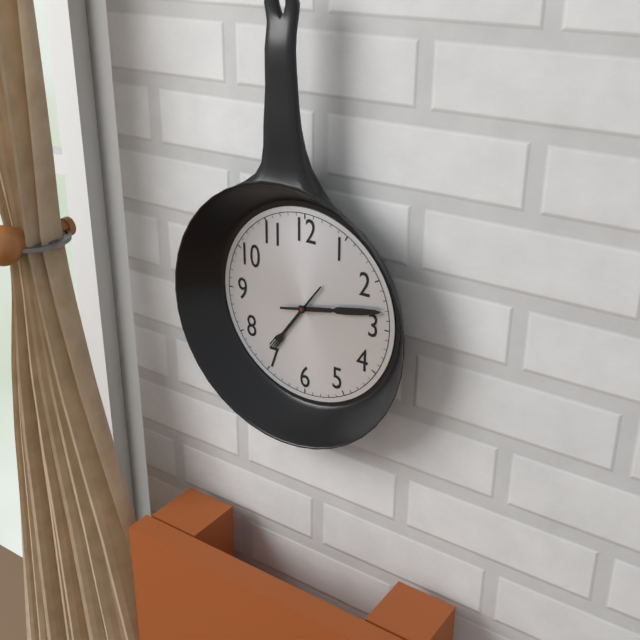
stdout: 7h13
